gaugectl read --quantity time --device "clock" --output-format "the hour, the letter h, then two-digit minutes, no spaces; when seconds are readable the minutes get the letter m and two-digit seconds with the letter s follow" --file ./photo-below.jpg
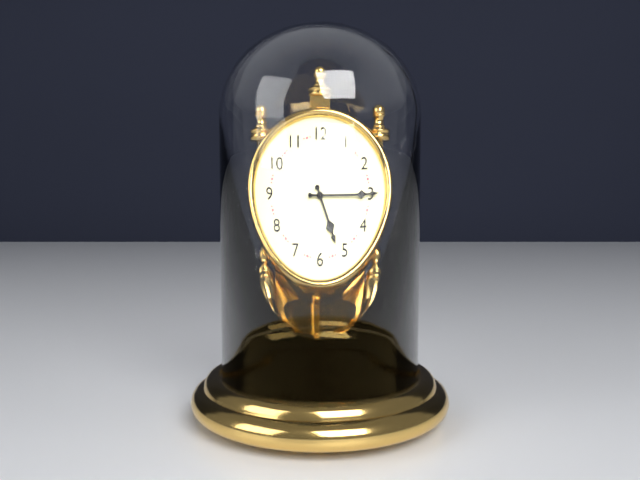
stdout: 5h15
